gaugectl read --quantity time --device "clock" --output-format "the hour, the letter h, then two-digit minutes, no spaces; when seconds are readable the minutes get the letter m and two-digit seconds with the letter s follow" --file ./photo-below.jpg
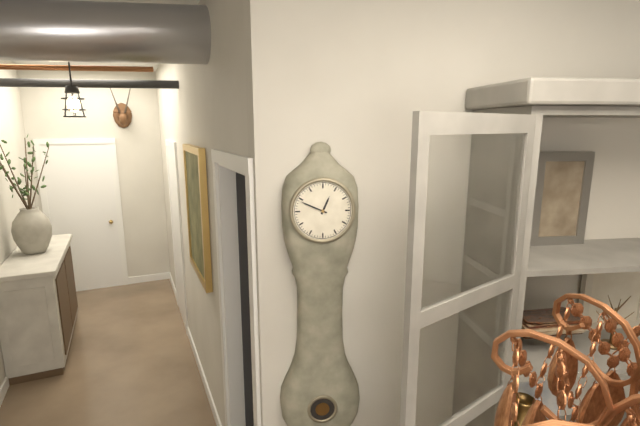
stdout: 12h49
